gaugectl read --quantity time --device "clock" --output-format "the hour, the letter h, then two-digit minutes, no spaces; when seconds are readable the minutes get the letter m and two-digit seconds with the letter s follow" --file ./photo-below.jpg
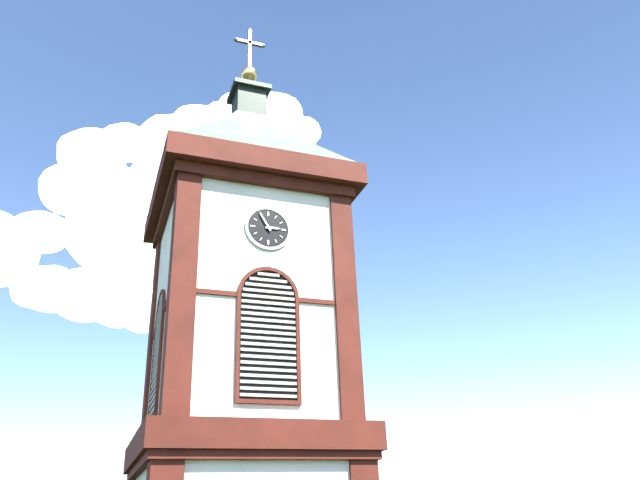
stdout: 2h55
